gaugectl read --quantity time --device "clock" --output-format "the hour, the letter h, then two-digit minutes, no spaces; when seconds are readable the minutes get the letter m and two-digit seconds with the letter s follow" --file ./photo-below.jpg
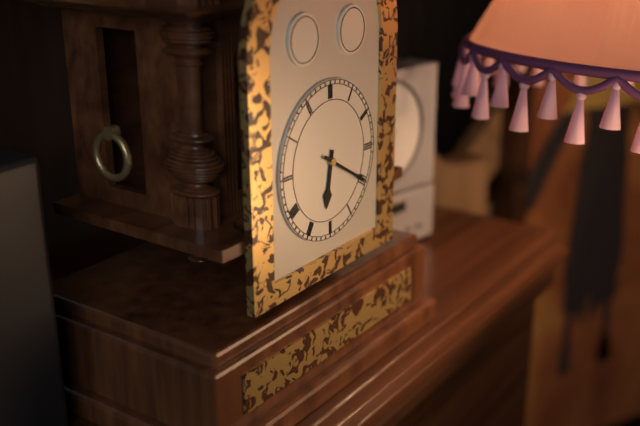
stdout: 6h20
